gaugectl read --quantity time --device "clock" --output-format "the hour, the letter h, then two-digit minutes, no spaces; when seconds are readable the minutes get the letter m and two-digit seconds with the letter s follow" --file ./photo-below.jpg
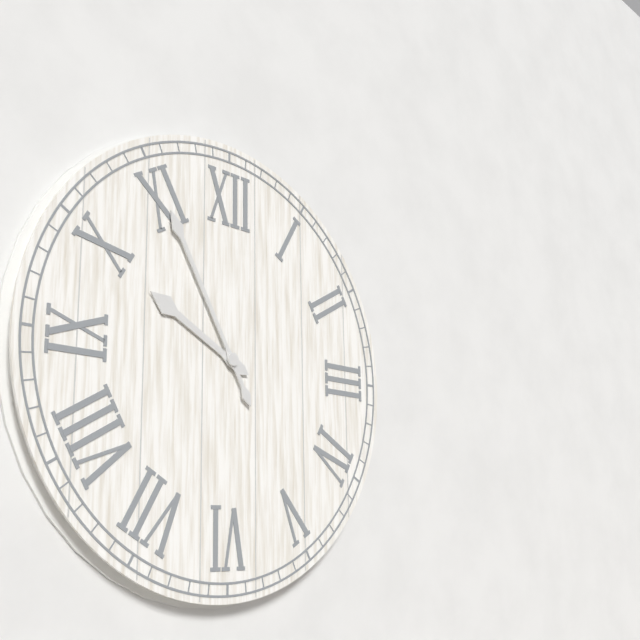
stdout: 9h55
